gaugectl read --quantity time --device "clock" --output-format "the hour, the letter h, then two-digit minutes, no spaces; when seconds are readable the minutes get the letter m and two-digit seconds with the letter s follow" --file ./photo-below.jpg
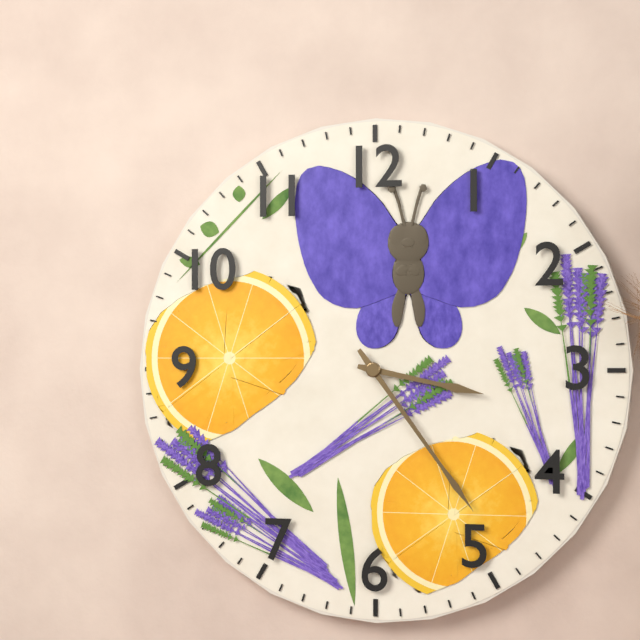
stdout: 3h24
